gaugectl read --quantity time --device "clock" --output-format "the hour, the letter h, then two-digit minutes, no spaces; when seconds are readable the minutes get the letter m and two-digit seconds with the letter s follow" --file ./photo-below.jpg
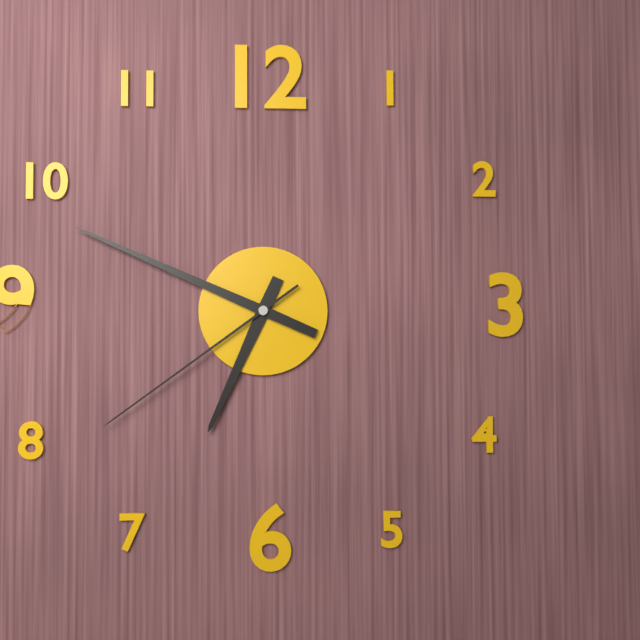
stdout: 6h49m39s
